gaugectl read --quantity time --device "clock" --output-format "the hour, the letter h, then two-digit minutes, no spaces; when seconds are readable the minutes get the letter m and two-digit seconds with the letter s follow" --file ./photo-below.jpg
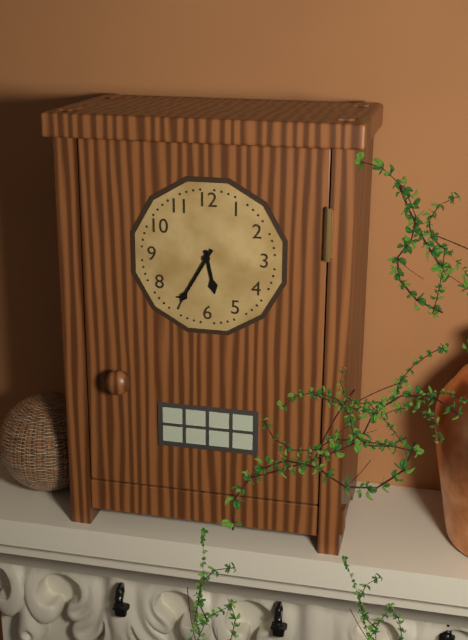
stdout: 5h35
